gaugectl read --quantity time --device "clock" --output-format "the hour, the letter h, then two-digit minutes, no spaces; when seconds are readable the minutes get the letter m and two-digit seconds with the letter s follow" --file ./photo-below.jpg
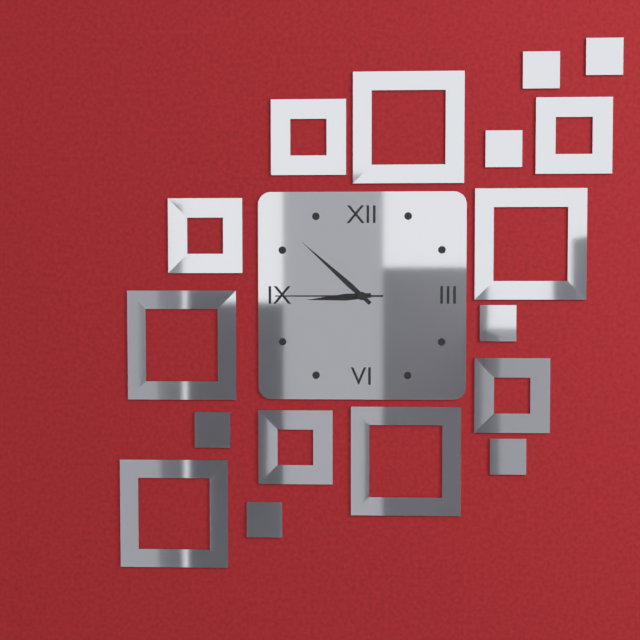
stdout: 8h52m45s
